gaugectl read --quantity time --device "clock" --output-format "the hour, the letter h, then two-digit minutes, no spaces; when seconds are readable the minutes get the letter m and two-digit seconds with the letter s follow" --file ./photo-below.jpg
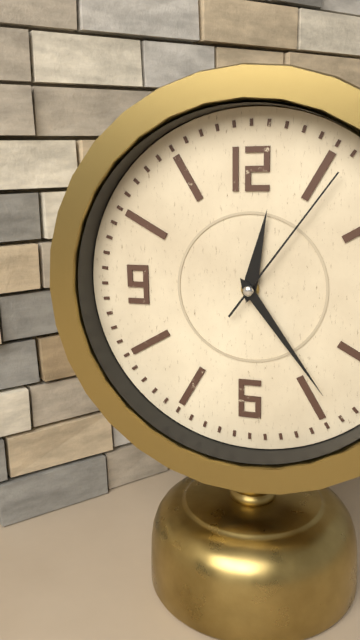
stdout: 12h24m06s
